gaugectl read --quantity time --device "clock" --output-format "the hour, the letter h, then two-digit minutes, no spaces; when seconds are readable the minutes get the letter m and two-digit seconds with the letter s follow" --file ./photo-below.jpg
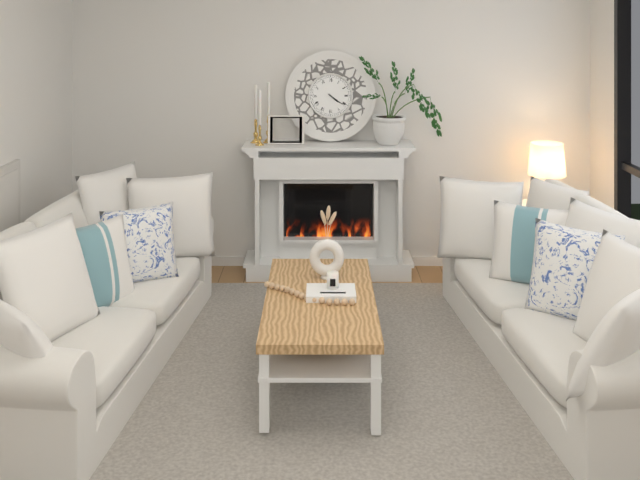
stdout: 4h21
